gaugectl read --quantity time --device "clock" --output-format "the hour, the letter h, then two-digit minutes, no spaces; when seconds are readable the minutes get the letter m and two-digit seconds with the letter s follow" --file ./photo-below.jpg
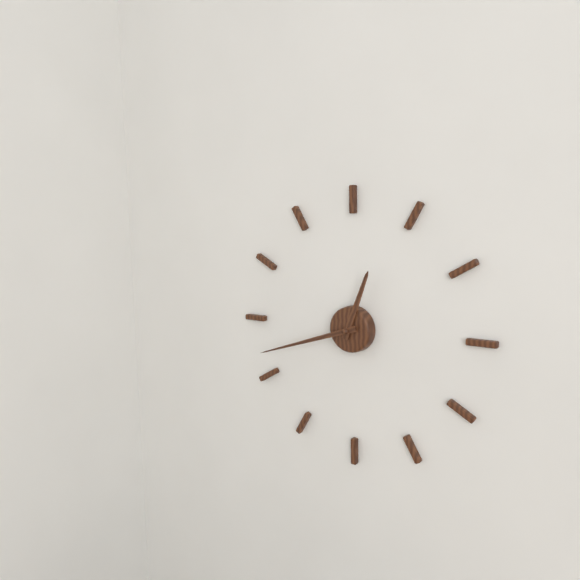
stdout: 12h42
